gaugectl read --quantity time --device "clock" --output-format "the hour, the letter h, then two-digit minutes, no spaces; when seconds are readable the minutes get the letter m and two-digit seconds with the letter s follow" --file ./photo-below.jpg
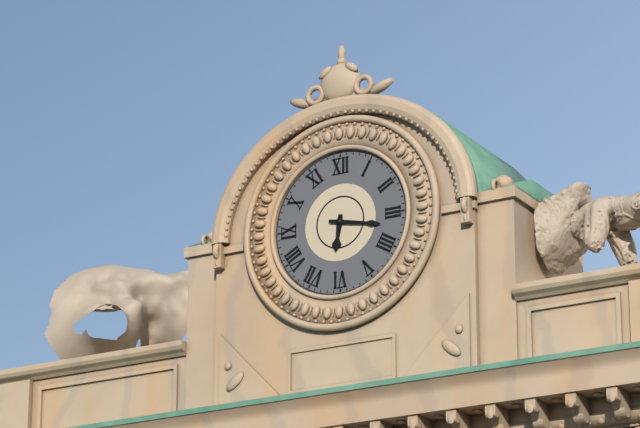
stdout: 6h17
